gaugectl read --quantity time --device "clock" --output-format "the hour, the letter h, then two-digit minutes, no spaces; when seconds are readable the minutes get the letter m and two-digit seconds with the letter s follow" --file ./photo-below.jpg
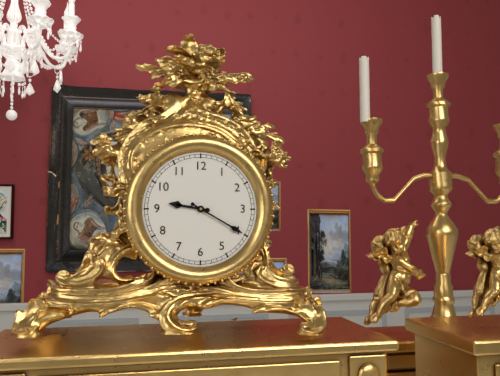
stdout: 9h20
